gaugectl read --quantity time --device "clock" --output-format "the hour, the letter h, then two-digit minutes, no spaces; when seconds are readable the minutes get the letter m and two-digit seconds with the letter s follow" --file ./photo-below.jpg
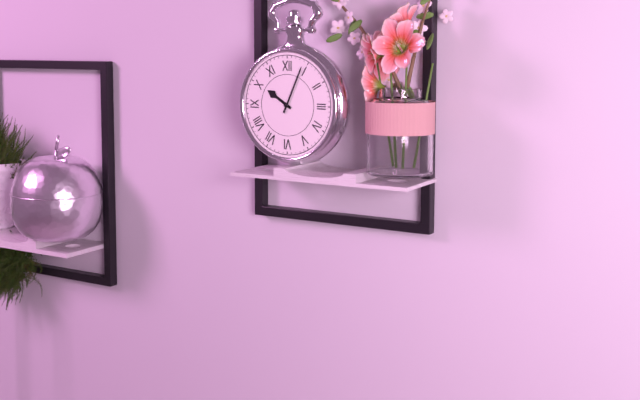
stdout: 10h04
